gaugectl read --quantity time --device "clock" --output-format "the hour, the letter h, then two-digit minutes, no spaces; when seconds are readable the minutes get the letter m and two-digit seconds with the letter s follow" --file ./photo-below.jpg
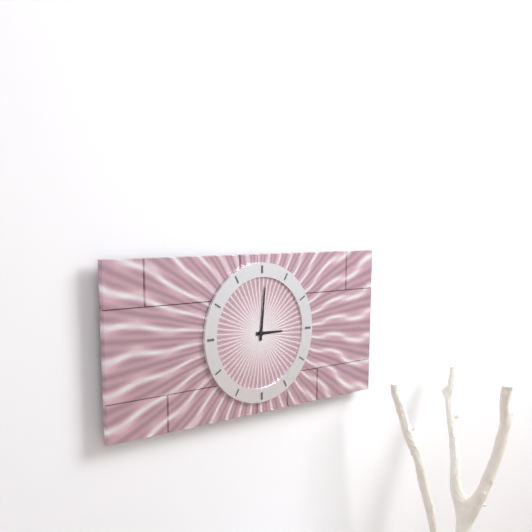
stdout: 3h01
